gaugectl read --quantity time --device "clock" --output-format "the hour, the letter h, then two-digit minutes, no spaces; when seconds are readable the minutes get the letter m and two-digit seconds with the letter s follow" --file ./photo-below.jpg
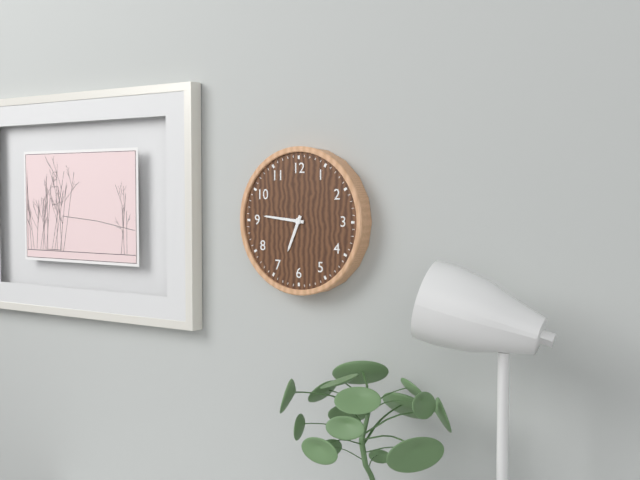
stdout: 6h46
